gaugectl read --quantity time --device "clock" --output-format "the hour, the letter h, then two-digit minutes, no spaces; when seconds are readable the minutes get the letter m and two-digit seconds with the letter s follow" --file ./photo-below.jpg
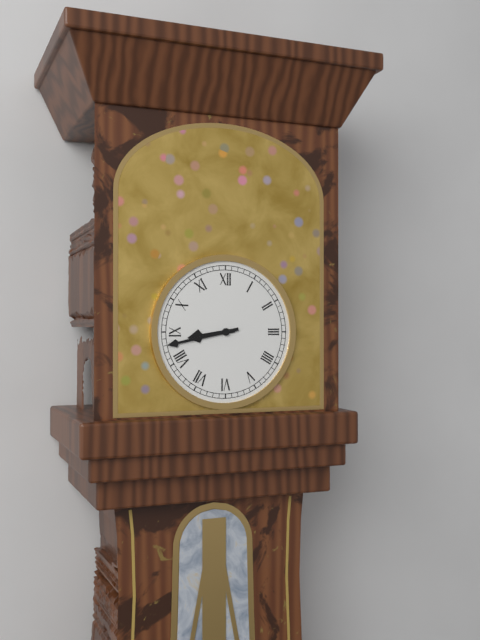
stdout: 8h43
